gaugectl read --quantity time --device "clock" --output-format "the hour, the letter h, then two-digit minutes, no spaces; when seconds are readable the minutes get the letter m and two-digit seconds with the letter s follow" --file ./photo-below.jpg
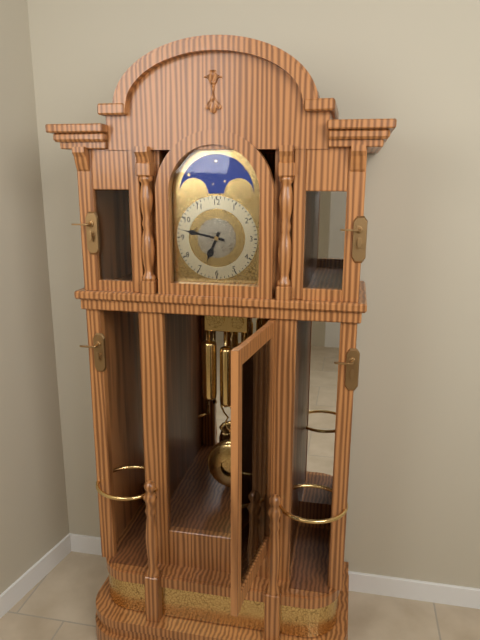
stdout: 6h47
